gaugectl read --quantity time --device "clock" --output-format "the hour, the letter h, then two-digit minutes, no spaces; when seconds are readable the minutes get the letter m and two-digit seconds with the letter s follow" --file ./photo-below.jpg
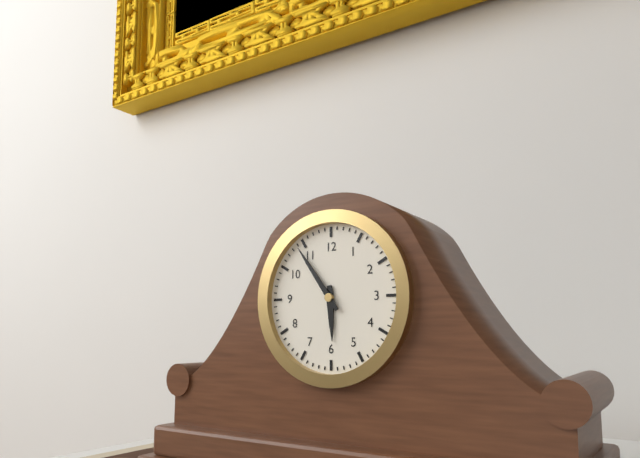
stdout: 5h54
